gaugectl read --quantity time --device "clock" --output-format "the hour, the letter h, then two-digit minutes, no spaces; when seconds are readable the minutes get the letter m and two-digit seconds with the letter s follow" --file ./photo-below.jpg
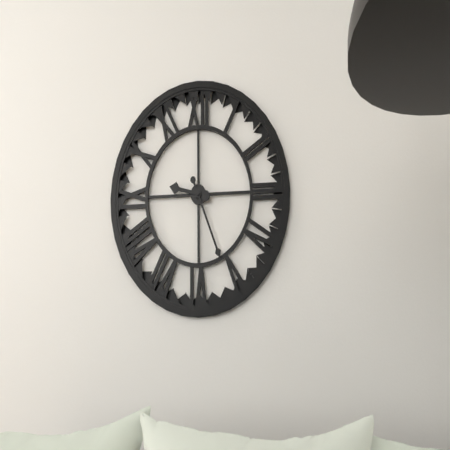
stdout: 9h26
